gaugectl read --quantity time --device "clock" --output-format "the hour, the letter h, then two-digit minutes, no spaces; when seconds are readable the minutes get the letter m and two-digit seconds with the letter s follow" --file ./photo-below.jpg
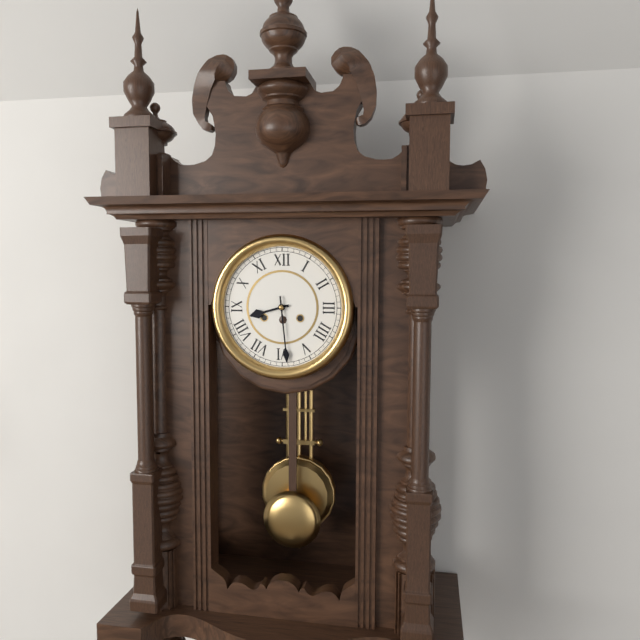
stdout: 8h29
